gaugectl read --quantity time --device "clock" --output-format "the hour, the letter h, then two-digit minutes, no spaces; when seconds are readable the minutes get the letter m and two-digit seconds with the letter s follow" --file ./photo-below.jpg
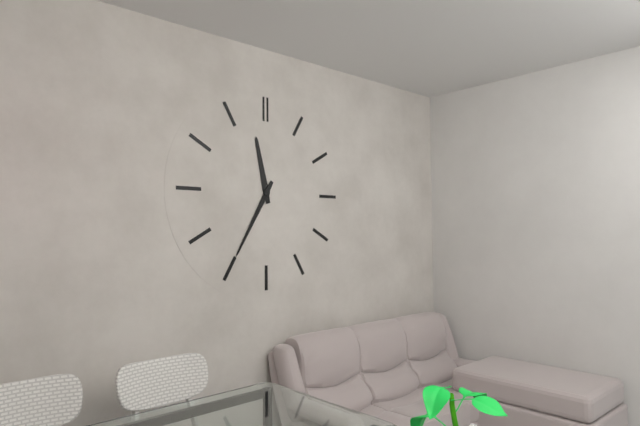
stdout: 11h35
